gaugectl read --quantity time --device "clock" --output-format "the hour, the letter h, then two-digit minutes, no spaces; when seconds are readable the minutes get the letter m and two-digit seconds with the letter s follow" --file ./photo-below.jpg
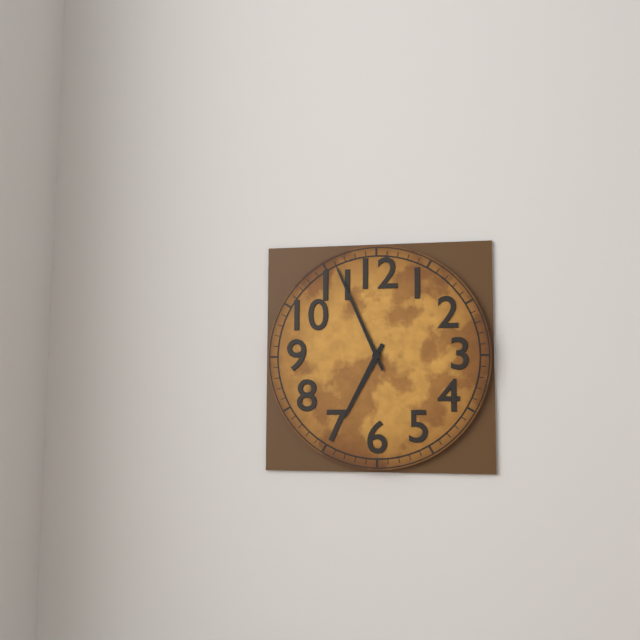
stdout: 6h56
